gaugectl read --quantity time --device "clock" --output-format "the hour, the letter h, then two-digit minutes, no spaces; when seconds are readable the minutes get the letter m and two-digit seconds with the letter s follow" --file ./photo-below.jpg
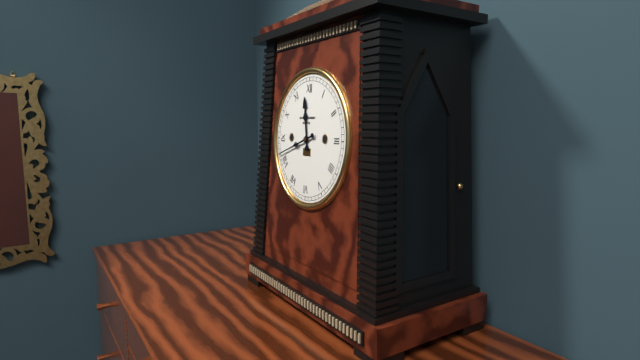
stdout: 11h42
